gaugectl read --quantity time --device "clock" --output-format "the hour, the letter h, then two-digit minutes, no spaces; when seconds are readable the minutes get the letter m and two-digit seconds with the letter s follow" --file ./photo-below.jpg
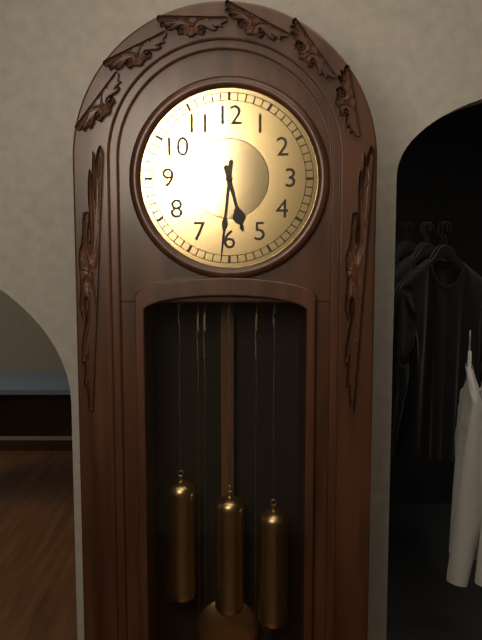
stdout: 5h31
